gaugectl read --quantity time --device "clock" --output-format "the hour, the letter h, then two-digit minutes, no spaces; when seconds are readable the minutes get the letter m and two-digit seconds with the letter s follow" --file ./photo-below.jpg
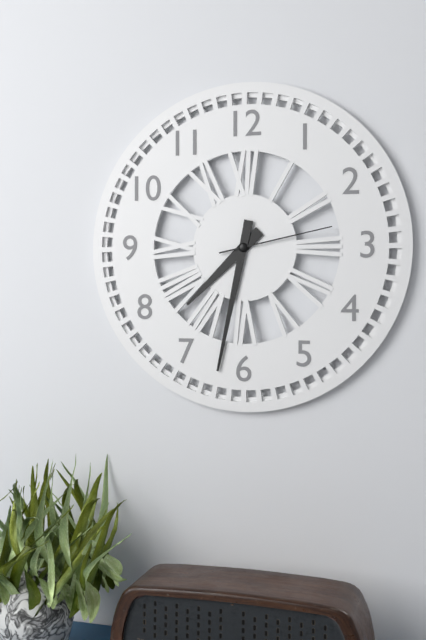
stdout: 7h32m13s
